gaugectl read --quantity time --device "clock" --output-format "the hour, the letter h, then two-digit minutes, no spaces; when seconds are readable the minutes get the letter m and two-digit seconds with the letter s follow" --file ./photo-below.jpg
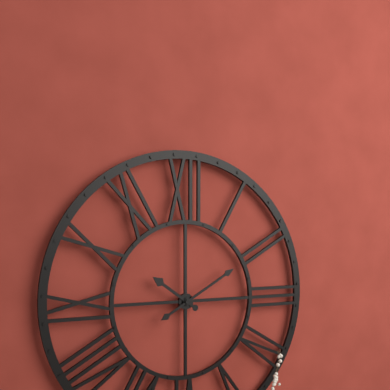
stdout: 10h10
